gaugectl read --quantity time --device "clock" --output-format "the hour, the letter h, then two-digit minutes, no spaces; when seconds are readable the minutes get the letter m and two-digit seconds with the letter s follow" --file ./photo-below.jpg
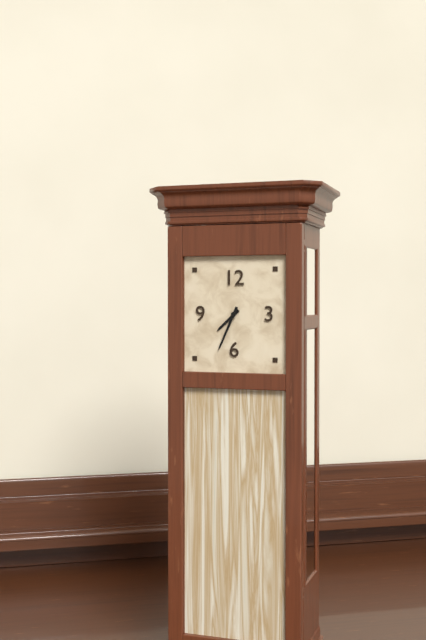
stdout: 7h34
